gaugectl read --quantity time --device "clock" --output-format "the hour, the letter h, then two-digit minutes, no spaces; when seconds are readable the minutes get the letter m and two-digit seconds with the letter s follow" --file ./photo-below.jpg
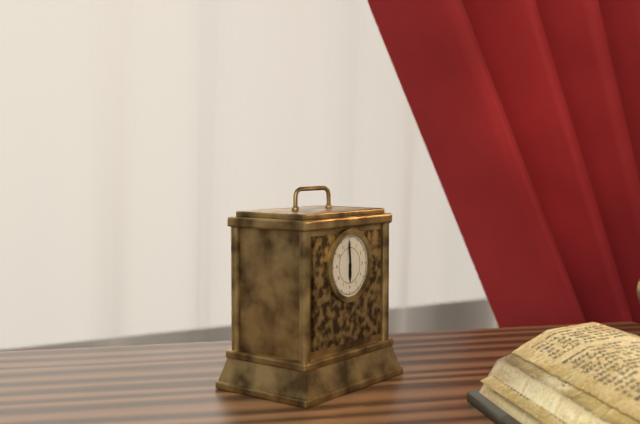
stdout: 5h59
